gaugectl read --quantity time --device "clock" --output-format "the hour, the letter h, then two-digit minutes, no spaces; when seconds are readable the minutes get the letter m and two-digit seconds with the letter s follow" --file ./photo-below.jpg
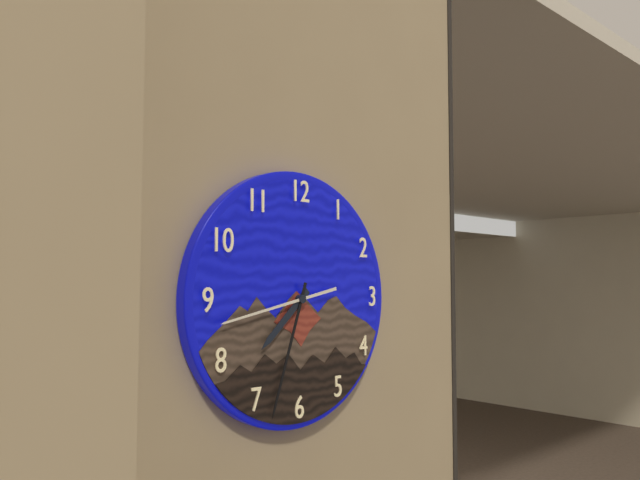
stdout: 7h33m43s
